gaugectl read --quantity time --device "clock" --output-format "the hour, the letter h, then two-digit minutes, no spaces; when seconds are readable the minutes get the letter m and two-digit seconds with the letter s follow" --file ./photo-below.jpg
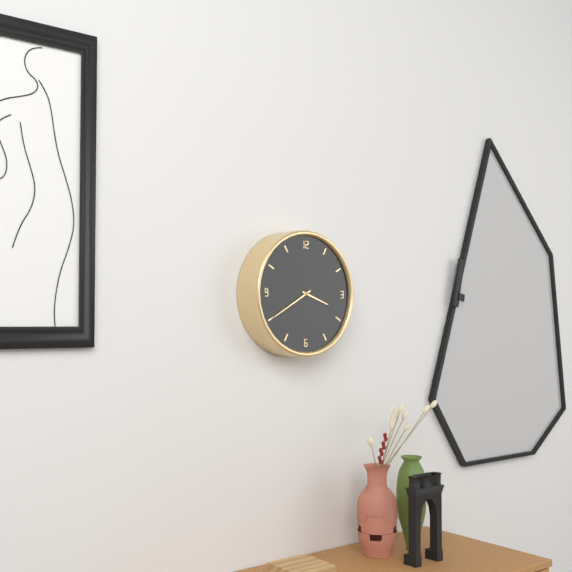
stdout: 3h40
